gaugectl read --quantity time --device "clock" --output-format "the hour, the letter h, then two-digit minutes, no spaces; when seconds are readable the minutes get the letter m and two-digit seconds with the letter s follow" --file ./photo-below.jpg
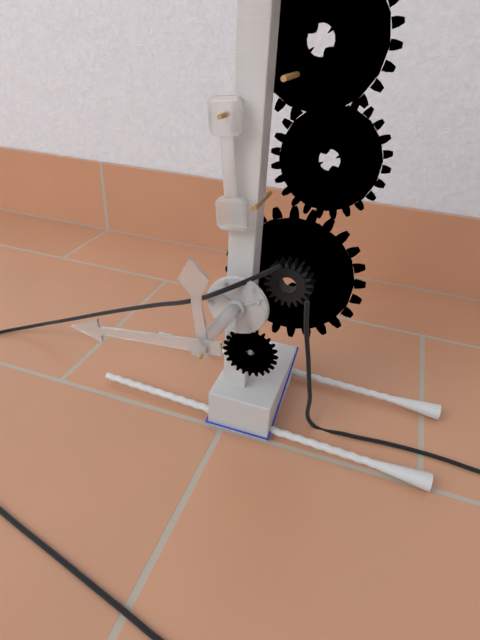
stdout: 11h44
